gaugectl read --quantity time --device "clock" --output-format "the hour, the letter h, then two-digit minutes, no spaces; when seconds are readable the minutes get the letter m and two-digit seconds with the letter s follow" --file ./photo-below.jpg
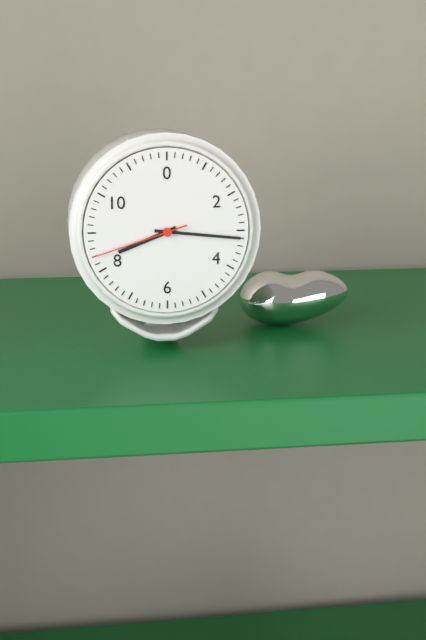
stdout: 8h16m42s
